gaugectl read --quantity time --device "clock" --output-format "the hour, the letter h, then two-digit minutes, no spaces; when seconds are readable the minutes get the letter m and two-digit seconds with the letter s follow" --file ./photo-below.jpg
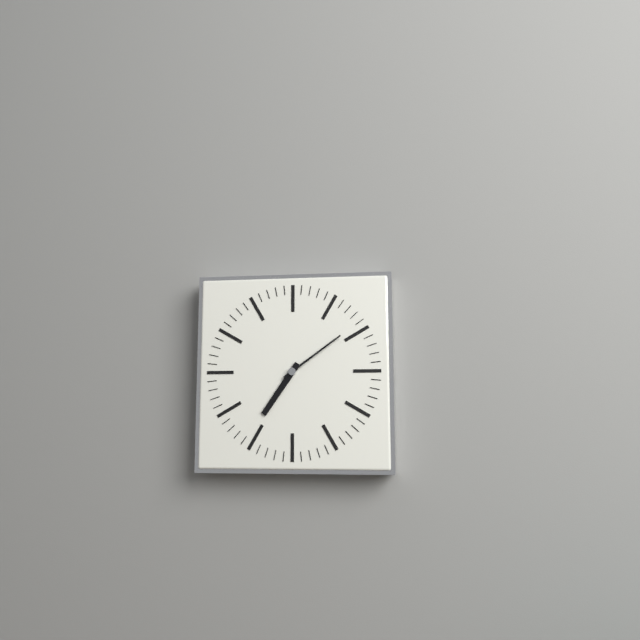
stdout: 7h09
